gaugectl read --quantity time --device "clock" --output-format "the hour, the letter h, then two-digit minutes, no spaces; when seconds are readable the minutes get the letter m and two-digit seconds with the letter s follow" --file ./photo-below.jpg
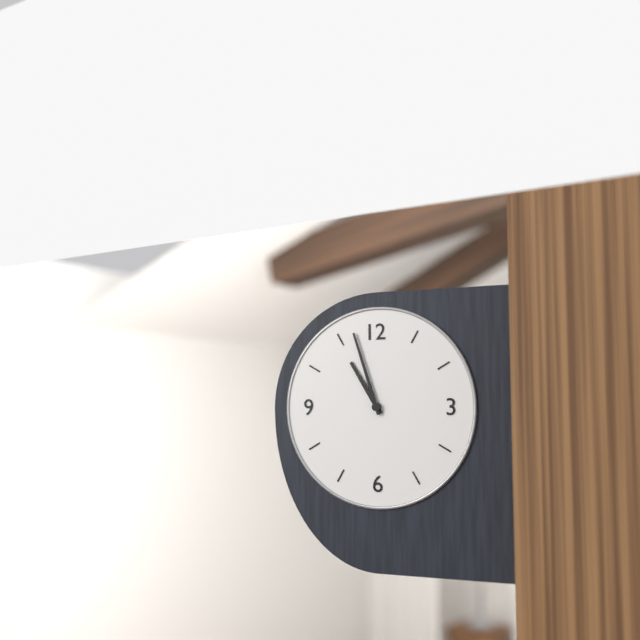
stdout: 10h57
